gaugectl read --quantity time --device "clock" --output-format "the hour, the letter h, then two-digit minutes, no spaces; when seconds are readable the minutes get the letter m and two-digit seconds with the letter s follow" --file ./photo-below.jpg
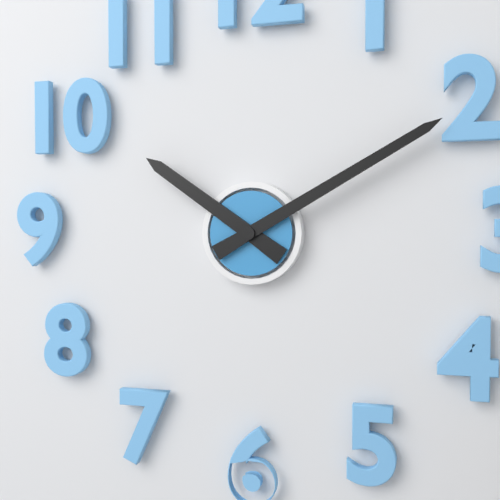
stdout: 10h10
